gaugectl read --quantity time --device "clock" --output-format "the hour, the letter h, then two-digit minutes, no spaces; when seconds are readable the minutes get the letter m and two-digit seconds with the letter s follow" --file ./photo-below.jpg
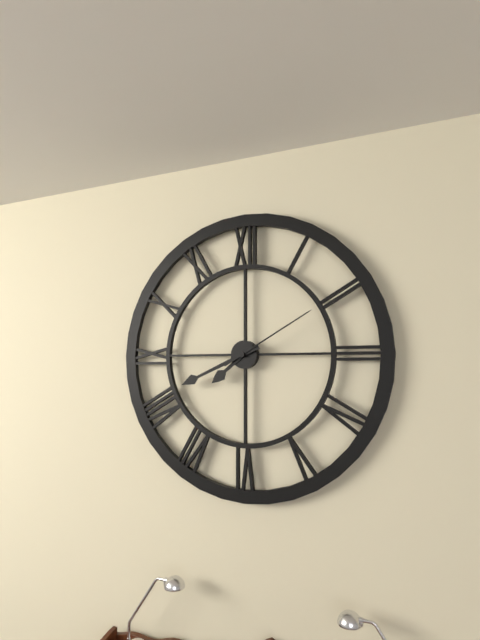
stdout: 7h41m10s
